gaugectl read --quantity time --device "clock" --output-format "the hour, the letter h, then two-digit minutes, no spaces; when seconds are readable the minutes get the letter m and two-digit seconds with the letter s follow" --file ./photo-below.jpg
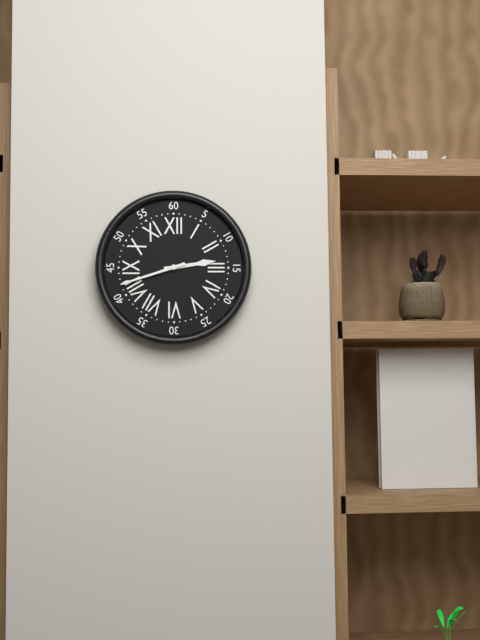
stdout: 2h42
